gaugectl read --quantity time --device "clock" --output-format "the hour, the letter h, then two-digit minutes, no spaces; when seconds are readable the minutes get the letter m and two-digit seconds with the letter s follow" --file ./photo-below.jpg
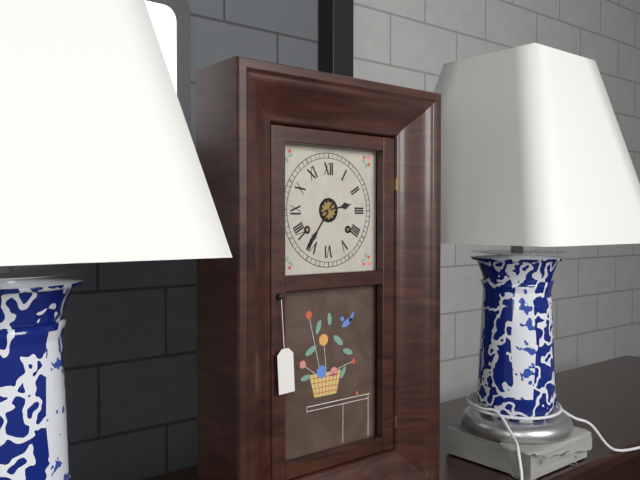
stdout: 2h36
